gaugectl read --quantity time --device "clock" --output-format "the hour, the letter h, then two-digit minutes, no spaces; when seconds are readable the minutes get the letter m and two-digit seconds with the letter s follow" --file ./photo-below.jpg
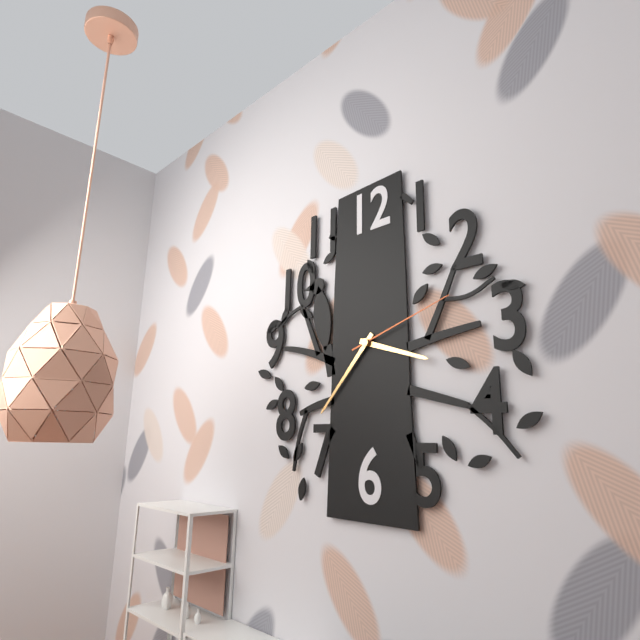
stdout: 3h37m12s
